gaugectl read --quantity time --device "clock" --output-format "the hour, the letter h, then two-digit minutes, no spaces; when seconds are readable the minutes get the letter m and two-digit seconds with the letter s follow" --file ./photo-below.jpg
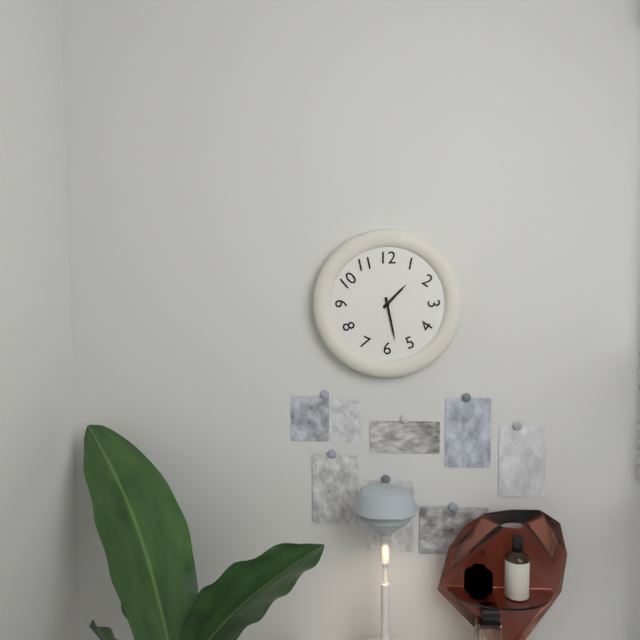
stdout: 1h28
